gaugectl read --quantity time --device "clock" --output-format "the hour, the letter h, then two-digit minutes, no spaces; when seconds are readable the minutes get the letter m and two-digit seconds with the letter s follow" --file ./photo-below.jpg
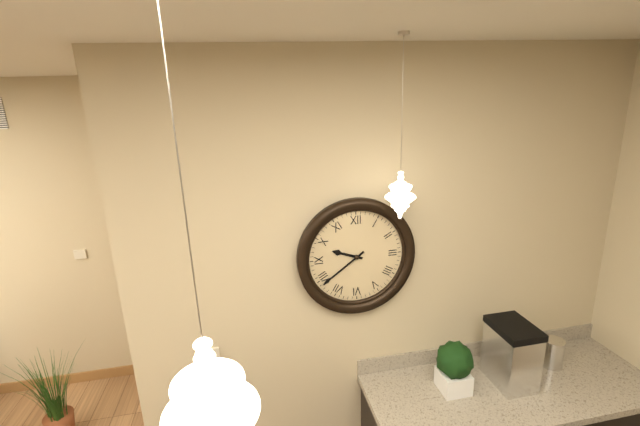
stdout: 9h39
